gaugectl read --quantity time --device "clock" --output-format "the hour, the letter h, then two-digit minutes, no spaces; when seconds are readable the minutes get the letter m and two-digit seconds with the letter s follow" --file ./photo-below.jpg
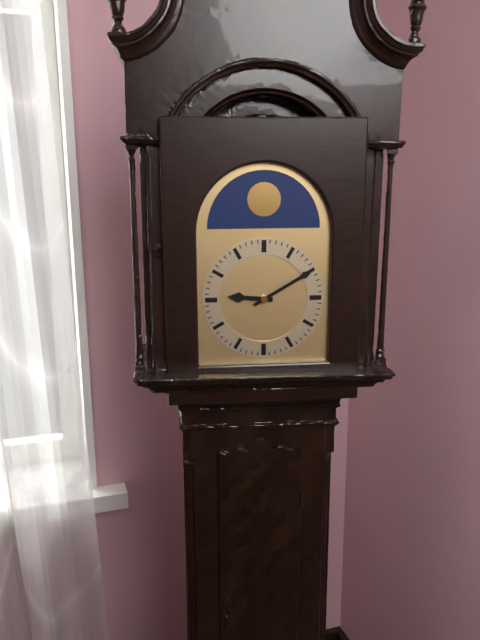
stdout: 9h10
